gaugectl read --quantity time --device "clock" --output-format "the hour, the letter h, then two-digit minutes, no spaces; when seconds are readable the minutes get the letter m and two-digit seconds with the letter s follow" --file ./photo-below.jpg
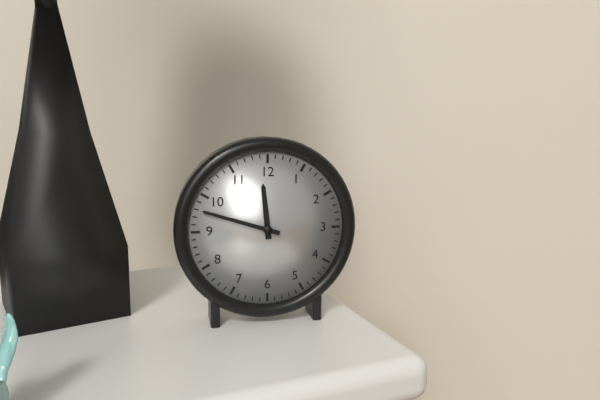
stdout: 11h48
